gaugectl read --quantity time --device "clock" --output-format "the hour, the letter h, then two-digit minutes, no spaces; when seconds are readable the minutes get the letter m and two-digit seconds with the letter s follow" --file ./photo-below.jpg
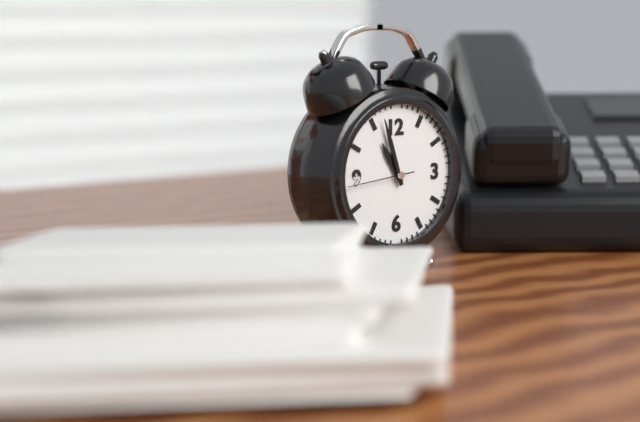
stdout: 10h57m44s
